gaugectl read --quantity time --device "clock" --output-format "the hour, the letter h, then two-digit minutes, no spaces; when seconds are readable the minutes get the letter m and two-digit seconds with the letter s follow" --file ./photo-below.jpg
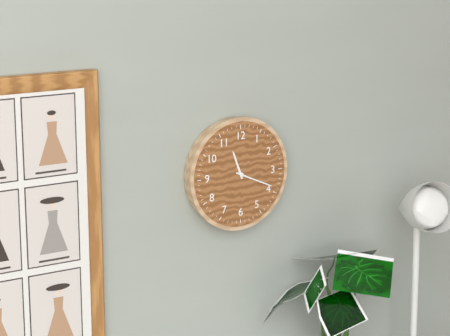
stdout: 11h19
